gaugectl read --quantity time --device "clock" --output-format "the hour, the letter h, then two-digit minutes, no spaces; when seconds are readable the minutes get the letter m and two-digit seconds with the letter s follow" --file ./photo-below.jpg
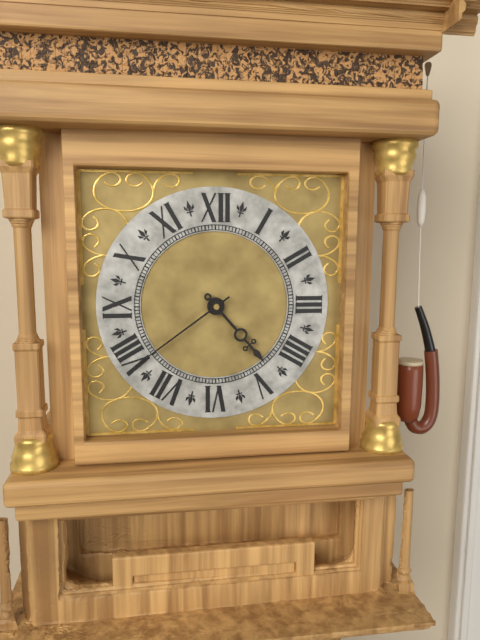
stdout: 4h39
